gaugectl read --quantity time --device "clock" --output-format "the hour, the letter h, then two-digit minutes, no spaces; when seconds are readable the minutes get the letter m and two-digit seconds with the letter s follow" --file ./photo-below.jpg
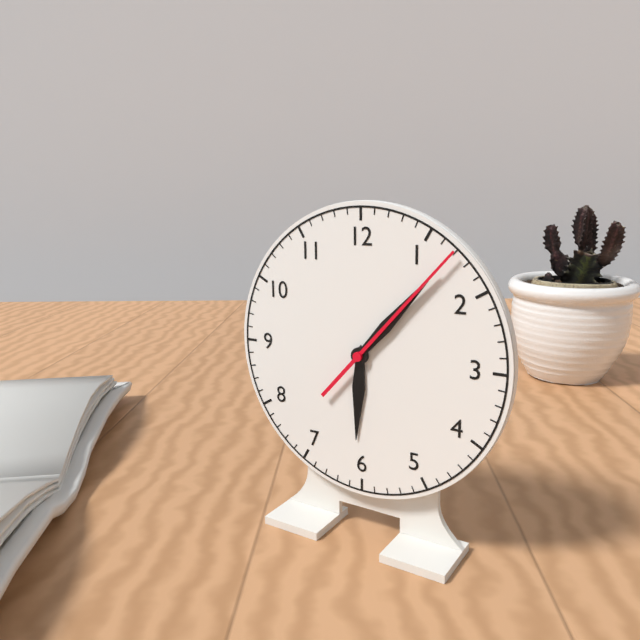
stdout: 6h07m07s
